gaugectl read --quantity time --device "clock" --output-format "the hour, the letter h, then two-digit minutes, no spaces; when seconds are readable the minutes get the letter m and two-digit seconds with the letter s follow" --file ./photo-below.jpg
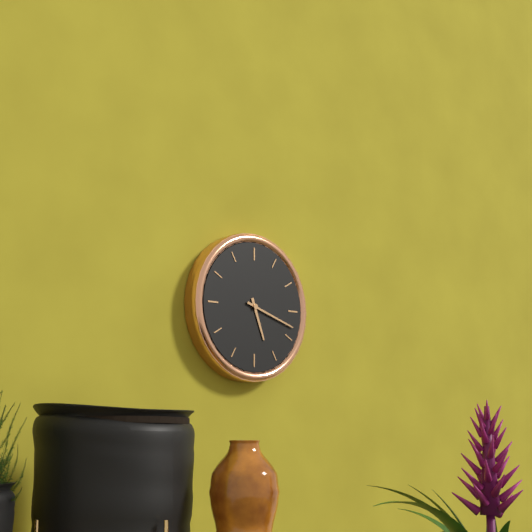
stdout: 5h18
